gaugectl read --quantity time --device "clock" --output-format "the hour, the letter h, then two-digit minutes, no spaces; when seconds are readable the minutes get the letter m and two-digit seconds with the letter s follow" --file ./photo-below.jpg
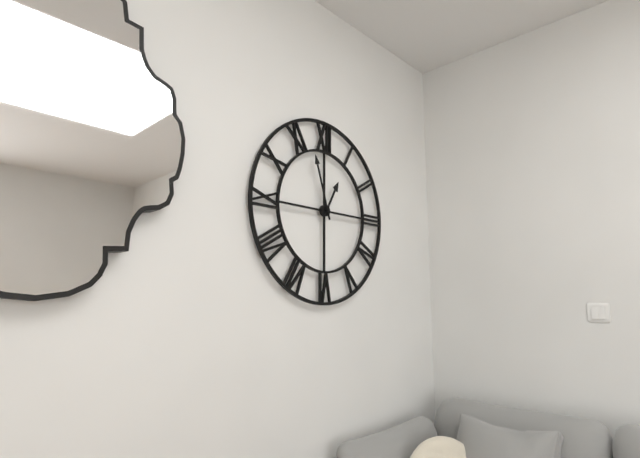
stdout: 12h57
